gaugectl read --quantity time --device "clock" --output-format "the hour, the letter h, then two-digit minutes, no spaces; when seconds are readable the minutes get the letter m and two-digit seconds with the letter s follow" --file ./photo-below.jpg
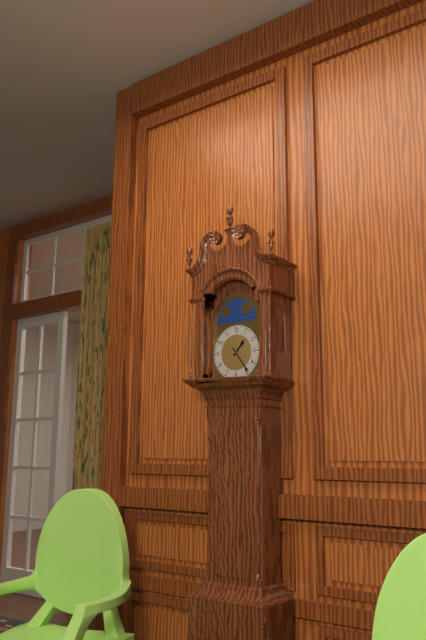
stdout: 1h24
